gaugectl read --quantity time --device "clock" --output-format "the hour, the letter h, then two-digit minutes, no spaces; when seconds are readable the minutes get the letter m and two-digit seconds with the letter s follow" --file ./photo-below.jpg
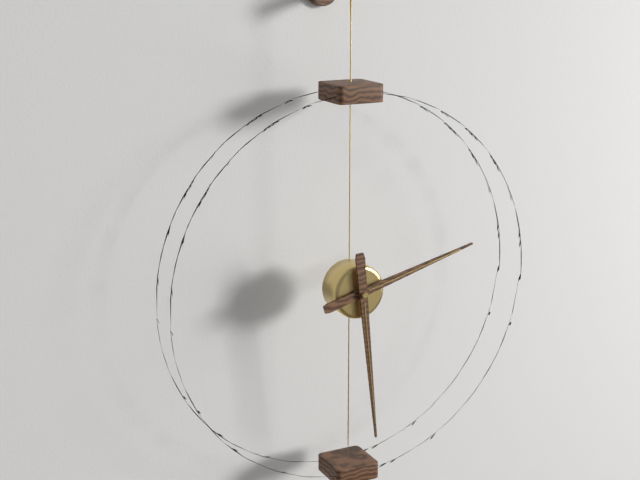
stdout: 2h29
